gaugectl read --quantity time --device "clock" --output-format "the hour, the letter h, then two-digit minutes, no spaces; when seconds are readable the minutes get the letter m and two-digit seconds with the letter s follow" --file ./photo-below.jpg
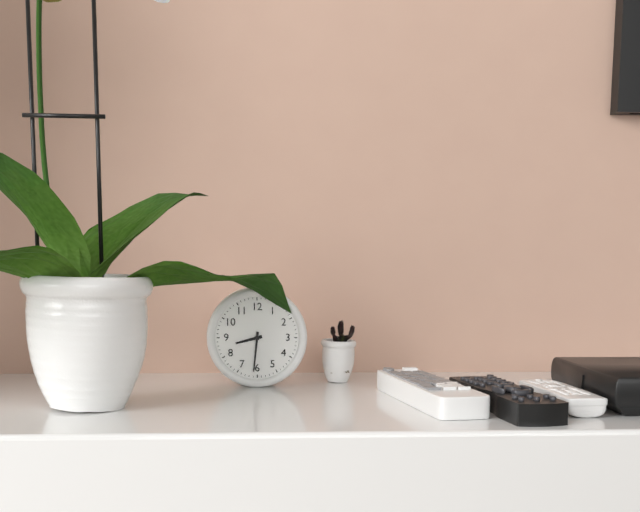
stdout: 8h31
